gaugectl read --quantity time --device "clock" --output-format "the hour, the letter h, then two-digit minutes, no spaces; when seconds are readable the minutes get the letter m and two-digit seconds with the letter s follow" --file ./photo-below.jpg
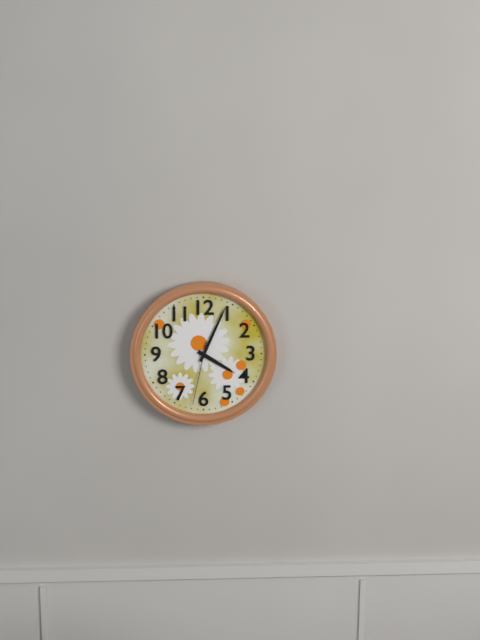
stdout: 4h04m32s
